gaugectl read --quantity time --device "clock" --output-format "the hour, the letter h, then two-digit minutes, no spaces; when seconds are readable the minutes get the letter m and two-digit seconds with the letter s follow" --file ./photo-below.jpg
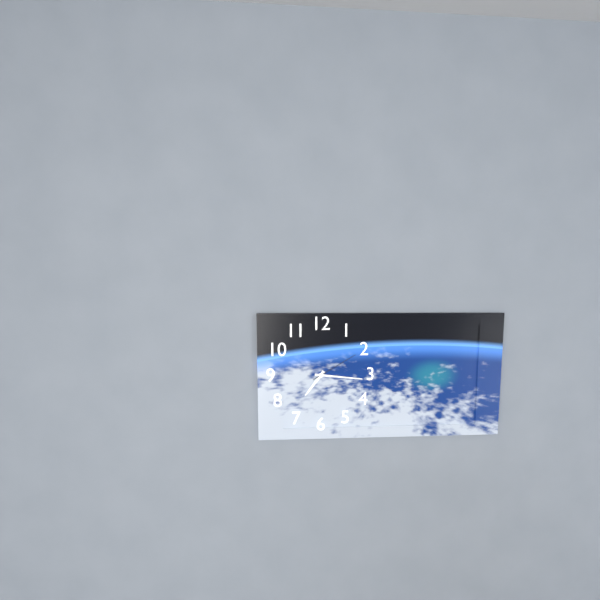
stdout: 7h16m10s
